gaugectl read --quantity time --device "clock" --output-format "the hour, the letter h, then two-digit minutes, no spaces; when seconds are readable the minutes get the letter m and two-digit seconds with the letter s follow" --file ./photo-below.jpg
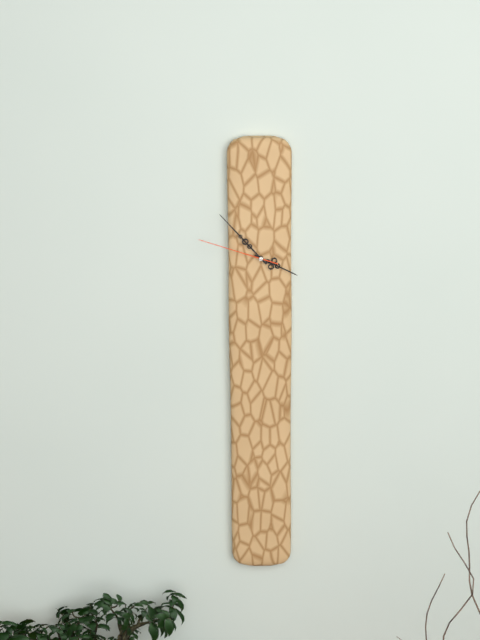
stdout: 3h53m48s
